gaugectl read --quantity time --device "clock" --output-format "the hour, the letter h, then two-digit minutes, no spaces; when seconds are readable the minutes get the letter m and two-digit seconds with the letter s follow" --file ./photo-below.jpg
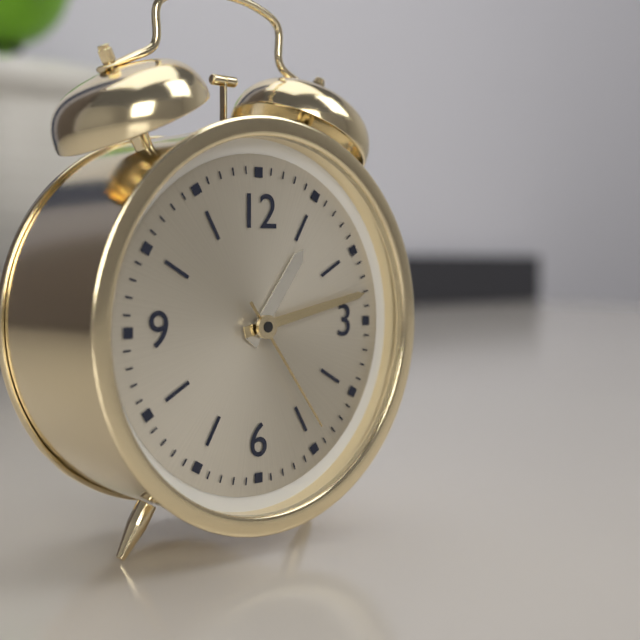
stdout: 1h13m24s
